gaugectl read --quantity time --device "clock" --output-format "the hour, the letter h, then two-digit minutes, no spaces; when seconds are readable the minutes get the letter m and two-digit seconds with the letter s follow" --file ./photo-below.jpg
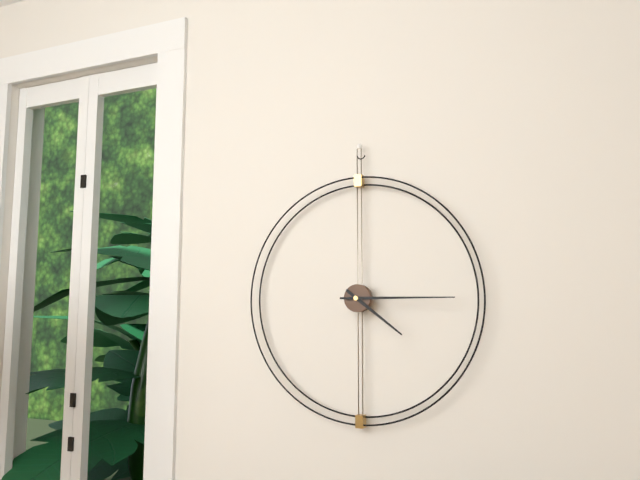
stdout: 4h15
